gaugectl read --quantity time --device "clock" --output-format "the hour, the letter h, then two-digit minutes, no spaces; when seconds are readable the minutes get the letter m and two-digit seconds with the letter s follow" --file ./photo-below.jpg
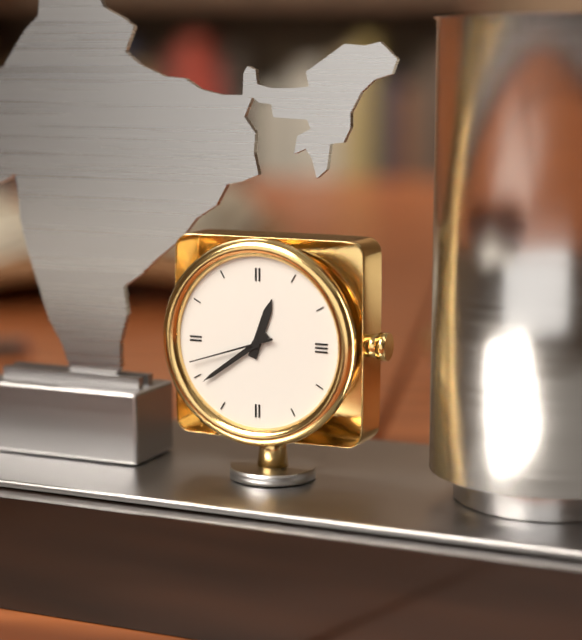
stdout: 12h39m42s
